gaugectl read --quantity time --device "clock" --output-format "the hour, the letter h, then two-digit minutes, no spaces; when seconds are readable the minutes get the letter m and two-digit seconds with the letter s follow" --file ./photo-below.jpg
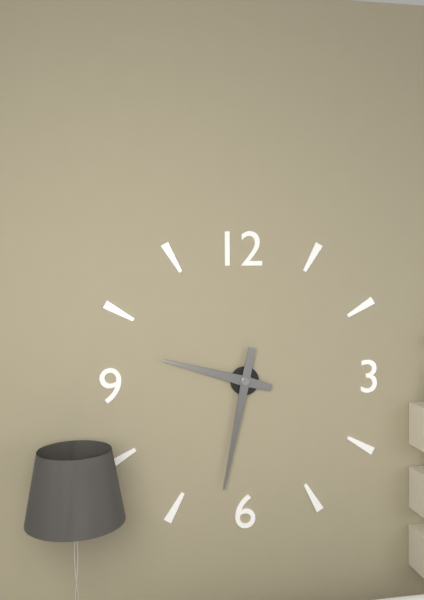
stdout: 9h32
